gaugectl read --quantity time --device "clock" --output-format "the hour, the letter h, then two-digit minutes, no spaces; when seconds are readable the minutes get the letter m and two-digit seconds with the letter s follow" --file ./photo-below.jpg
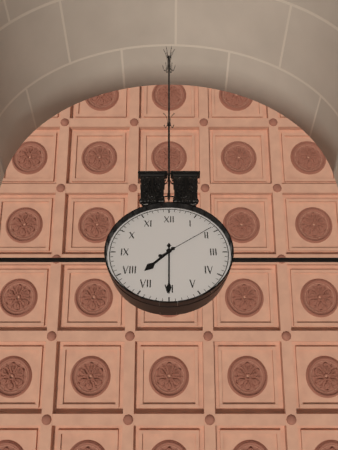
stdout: 7h30m09s
